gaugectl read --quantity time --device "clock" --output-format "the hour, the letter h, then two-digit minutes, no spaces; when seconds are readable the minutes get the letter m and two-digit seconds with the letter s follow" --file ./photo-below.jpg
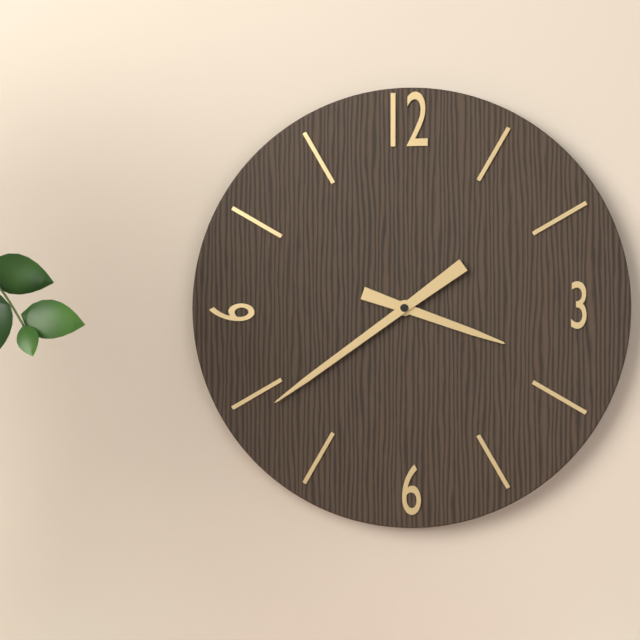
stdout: 3h39
